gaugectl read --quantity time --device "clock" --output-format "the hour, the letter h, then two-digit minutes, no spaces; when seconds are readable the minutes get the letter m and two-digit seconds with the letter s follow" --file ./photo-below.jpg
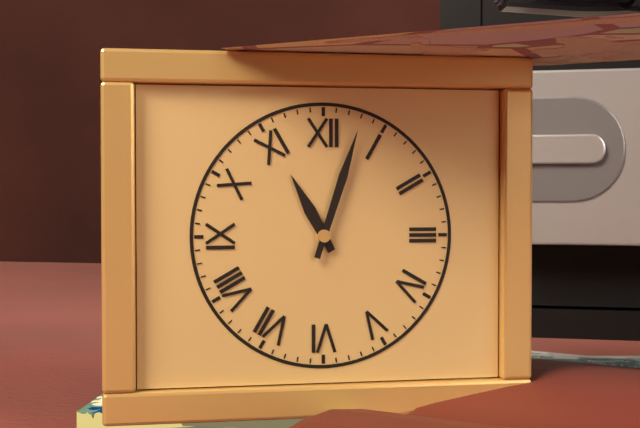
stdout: 11h03
